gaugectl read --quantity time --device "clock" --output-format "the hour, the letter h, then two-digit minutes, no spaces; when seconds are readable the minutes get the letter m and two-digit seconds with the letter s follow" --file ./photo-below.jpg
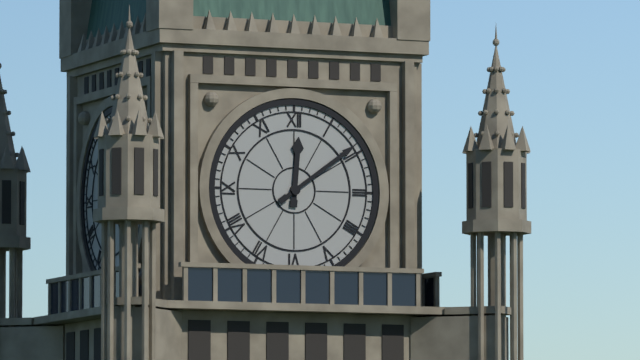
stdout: 12h09
